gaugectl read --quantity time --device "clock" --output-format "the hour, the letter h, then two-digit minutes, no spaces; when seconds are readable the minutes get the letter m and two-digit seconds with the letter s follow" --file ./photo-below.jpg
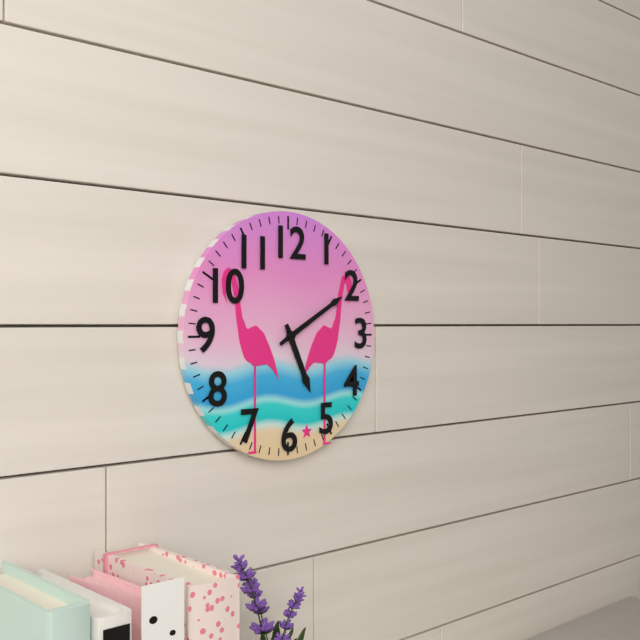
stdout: 5h10
